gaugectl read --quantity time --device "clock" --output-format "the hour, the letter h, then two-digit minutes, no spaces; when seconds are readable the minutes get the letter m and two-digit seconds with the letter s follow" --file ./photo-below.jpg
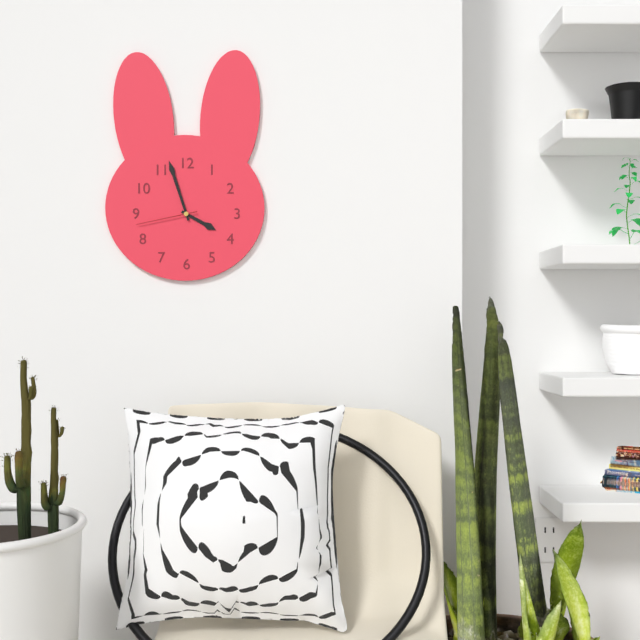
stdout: 3h57m43s
